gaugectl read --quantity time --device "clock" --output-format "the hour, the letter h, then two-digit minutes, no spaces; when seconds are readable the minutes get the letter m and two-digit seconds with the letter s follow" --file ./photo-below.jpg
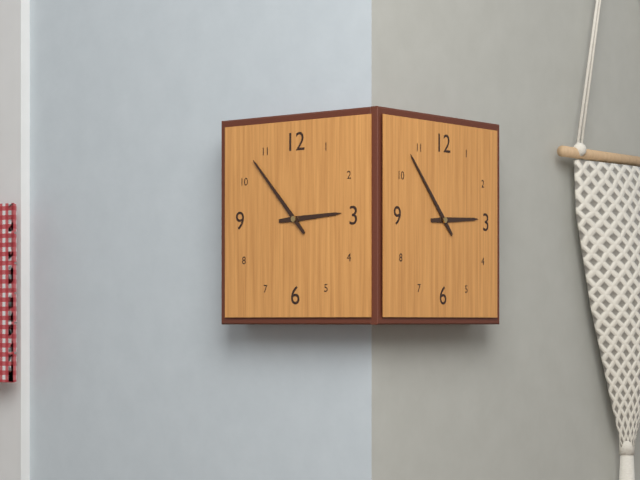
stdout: 2h53
